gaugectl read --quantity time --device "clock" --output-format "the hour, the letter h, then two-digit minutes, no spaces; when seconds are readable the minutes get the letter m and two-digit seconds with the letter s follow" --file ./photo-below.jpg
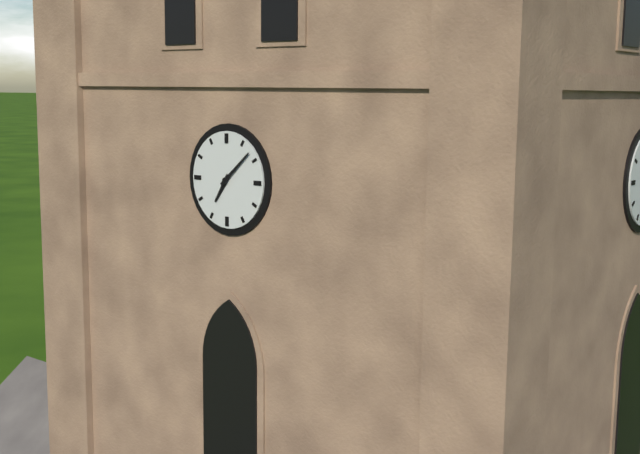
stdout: 7h08
